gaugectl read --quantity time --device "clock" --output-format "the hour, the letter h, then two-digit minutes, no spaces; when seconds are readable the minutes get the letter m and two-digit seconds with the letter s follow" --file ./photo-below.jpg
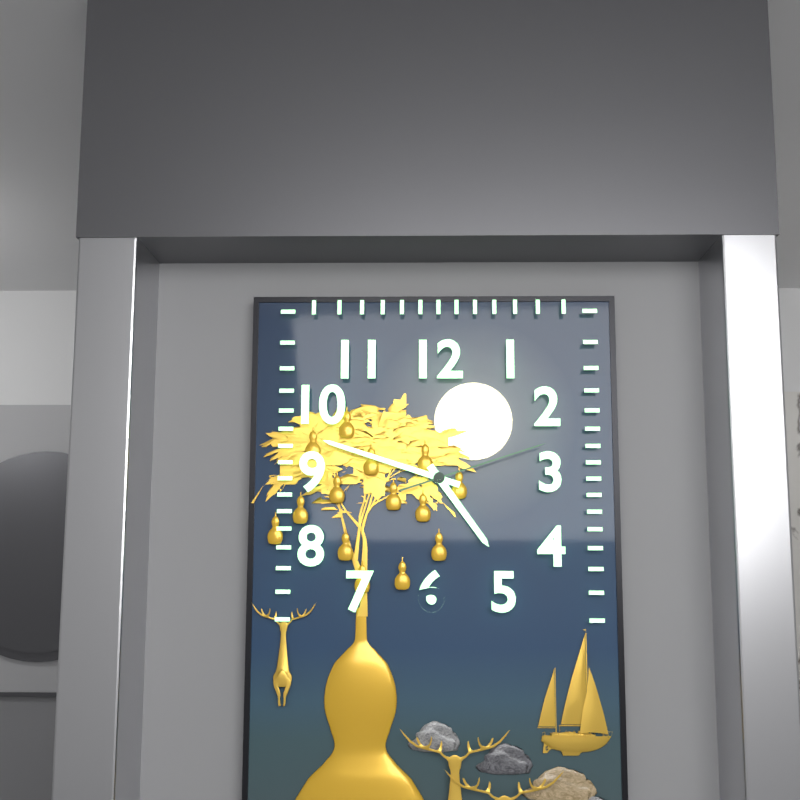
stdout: 4h48m12s
